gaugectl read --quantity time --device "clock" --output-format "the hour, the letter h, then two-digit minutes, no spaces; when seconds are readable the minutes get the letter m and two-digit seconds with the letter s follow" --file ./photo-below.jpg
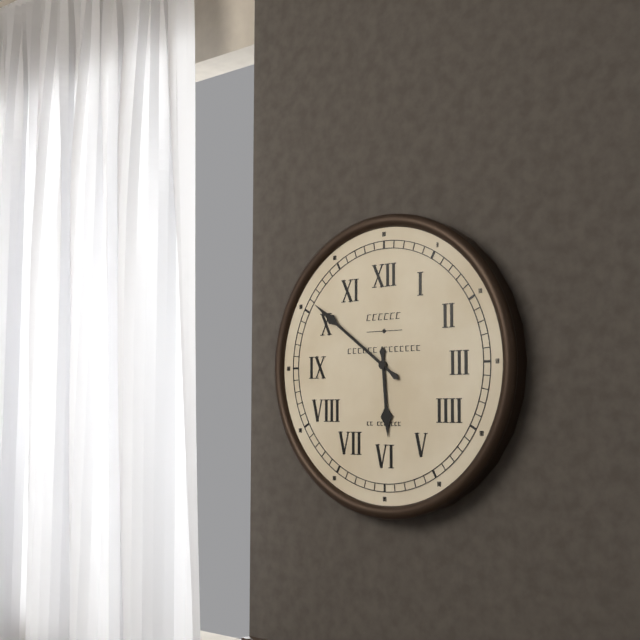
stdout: 5h51
